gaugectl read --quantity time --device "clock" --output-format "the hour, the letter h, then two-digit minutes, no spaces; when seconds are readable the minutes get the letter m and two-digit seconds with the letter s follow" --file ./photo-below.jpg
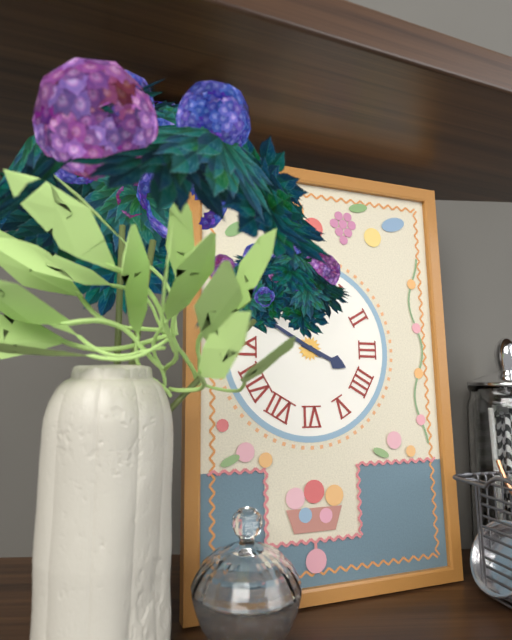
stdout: 3h50
